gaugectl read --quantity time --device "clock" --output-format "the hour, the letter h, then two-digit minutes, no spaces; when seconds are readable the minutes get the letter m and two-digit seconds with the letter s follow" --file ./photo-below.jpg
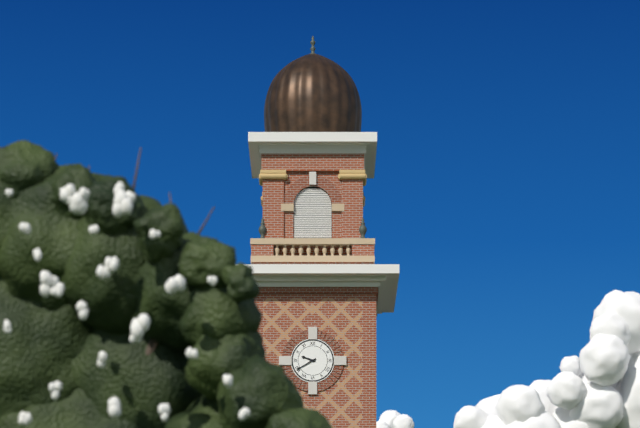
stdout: 9h40
